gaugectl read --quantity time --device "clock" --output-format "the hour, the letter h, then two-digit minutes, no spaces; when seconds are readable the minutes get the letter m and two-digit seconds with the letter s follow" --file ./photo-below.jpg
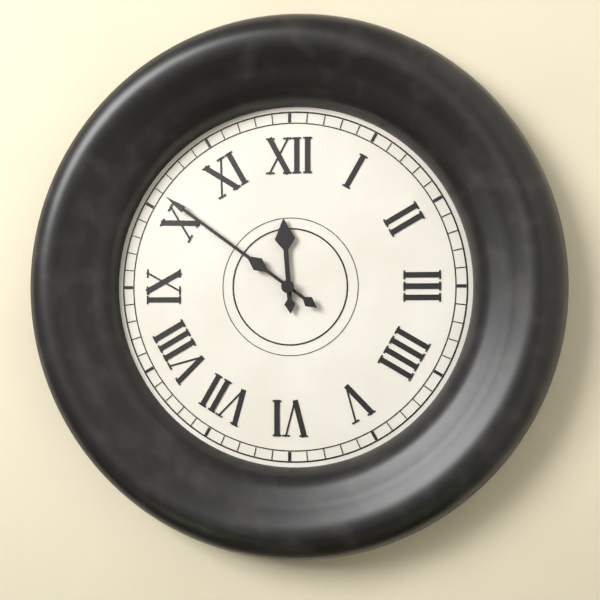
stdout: 11h51
